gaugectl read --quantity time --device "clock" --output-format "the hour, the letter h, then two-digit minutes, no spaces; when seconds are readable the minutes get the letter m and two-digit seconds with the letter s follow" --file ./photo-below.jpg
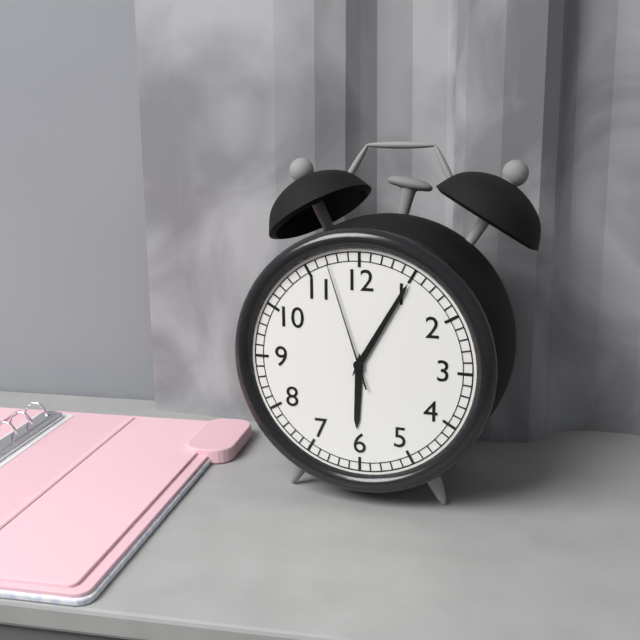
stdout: 6h05m57s
